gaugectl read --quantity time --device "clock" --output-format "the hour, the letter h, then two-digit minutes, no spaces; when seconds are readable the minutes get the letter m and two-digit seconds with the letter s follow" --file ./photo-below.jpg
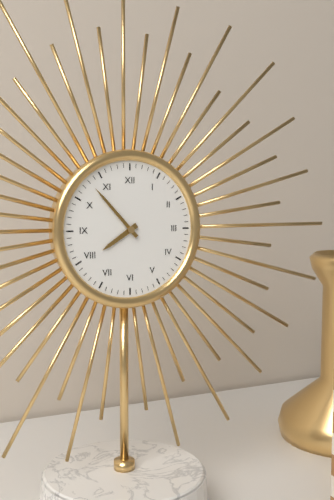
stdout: 7h53
